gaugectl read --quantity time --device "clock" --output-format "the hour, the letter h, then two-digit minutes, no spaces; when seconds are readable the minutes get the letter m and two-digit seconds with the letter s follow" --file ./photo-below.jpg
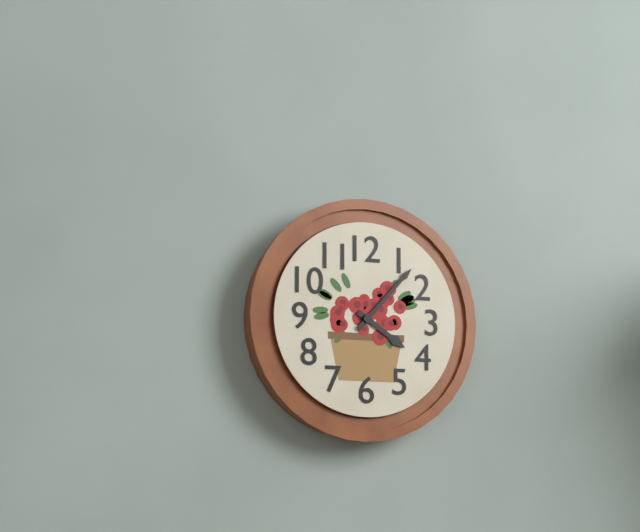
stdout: 4h07
